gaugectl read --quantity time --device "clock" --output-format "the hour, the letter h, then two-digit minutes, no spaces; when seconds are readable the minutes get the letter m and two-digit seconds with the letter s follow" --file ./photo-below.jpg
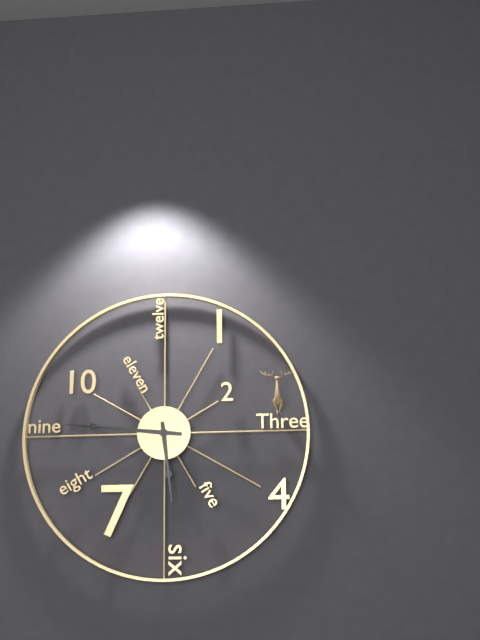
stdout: 5h46
